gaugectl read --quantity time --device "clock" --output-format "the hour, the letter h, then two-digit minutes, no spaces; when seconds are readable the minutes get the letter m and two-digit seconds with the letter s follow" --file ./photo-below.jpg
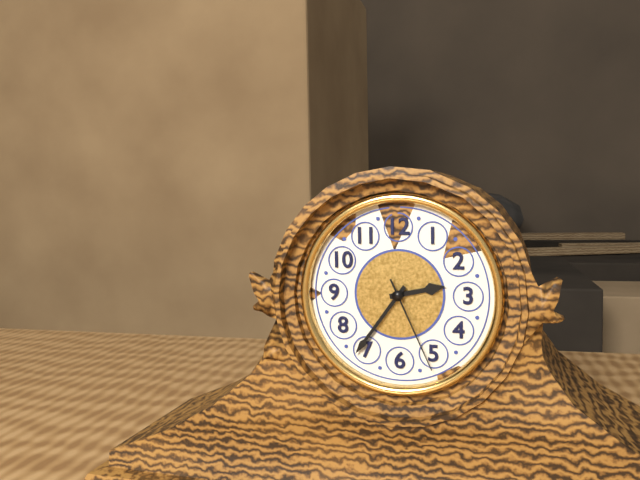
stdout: 2h36m26s
